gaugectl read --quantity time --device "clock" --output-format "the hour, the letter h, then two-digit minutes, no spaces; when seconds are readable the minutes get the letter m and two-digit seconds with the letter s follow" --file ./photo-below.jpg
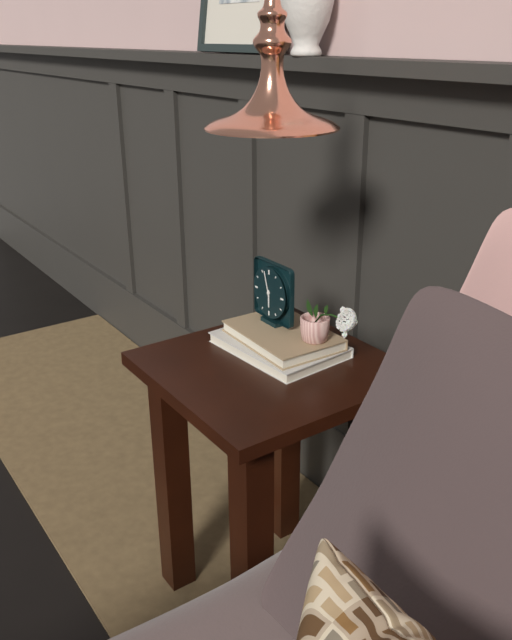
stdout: 5h57
